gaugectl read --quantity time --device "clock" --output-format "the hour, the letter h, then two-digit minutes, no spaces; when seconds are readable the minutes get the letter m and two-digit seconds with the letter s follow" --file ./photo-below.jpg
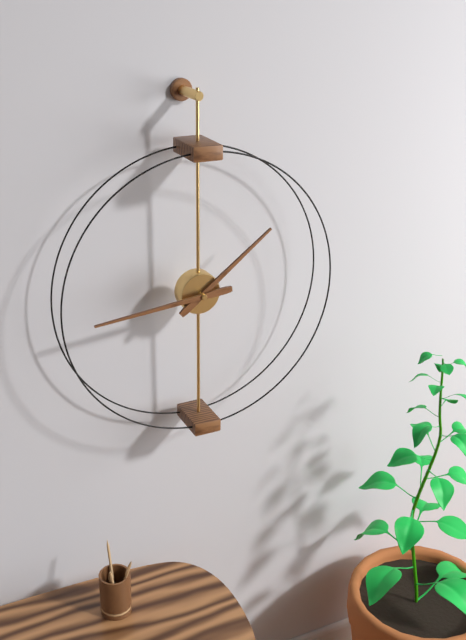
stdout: 1h44
